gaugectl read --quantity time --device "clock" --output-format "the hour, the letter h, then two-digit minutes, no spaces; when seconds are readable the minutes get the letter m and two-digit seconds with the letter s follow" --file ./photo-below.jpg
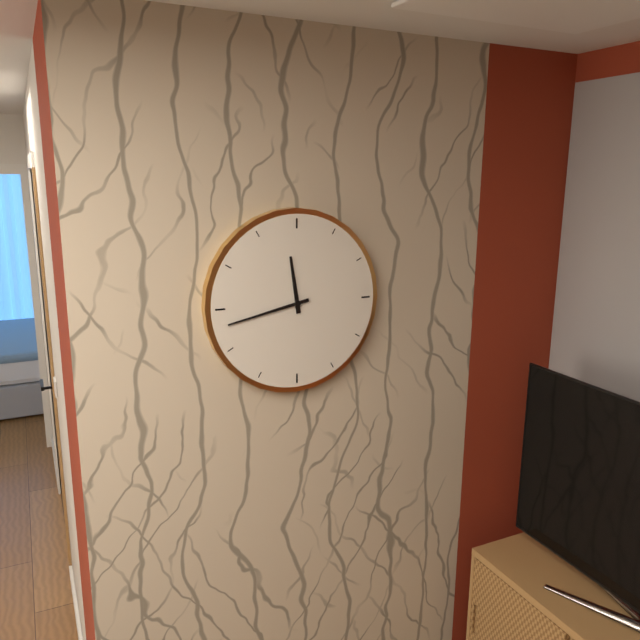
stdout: 11h43
